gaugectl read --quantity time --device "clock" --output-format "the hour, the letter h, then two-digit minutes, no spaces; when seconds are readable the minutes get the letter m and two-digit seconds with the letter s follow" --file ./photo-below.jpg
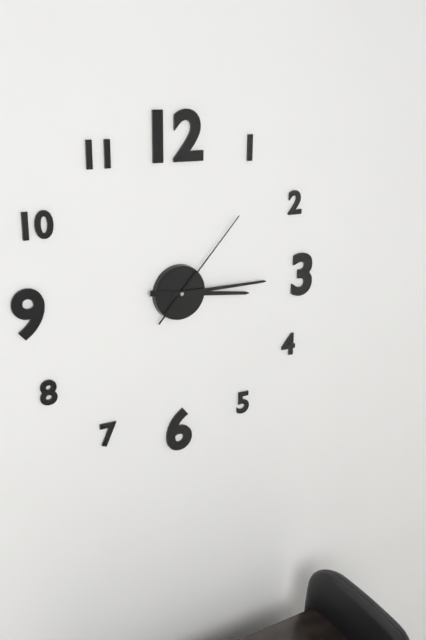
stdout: 3h15m07s
